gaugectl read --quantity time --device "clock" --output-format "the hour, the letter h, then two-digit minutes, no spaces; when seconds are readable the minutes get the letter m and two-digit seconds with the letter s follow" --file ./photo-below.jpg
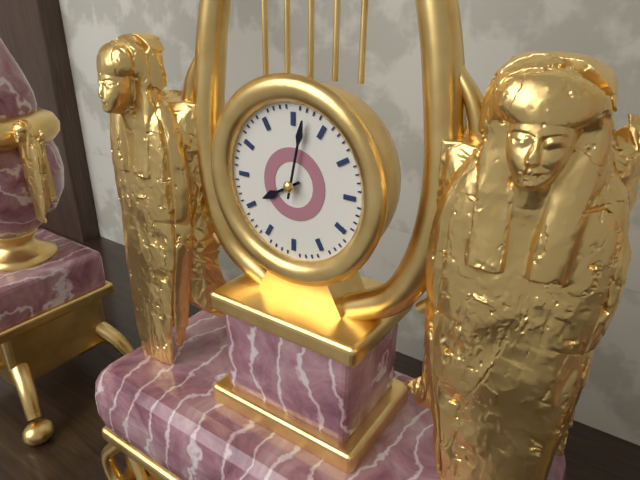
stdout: 8h02
